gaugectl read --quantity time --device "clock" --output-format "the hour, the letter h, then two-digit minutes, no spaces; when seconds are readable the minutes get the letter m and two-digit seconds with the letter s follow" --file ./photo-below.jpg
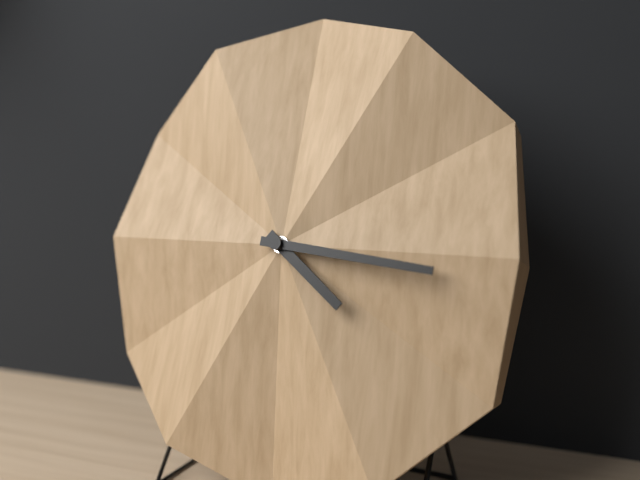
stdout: 4h16
